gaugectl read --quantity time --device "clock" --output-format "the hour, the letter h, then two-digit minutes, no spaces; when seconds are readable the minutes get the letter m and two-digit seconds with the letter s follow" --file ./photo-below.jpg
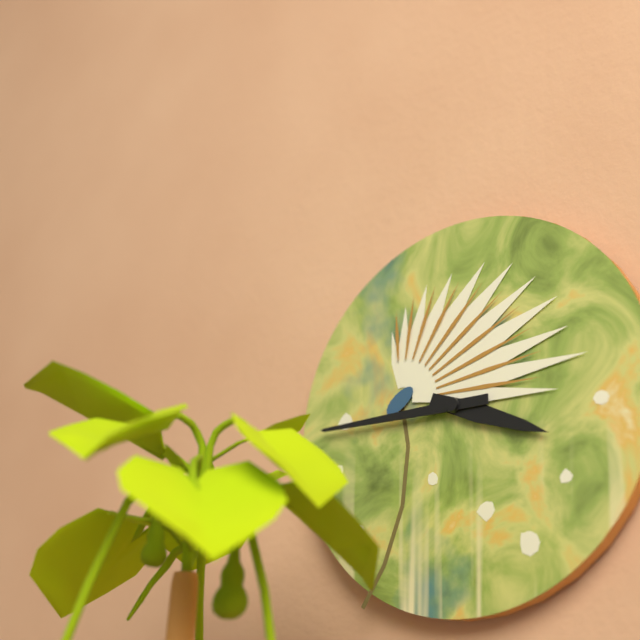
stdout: 3h45
